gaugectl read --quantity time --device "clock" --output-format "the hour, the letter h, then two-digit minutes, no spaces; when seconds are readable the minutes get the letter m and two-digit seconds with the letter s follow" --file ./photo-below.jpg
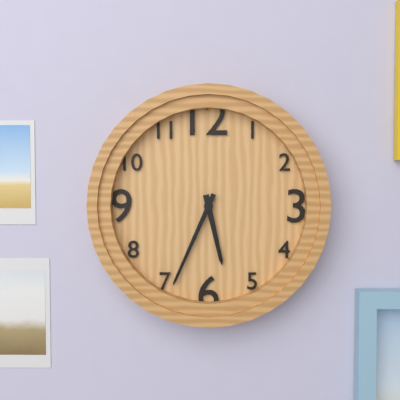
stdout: 5h34
